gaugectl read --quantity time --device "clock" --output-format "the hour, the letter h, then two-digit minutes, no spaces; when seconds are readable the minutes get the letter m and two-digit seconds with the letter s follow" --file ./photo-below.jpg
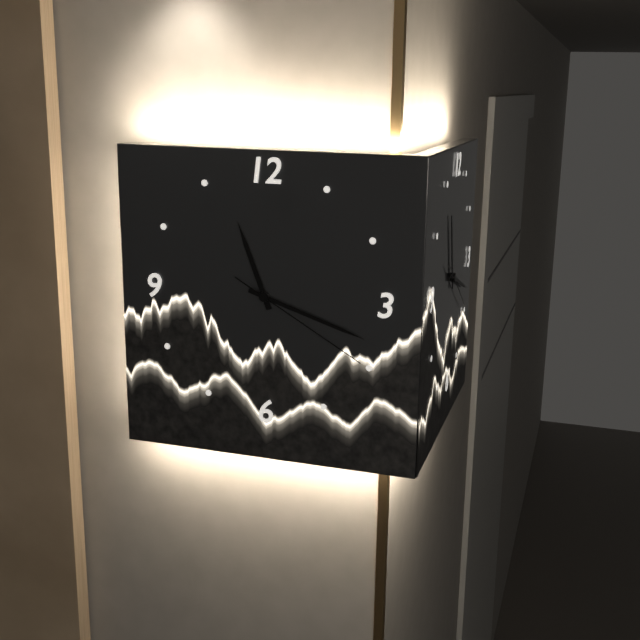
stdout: 11h18m20s
